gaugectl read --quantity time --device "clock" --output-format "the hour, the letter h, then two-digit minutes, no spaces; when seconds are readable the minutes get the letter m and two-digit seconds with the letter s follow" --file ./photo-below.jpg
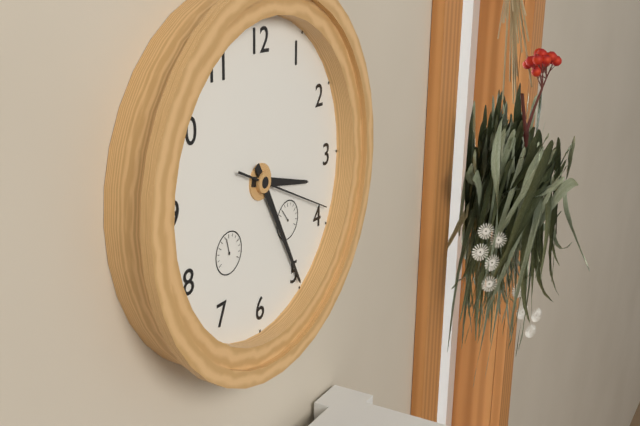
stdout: 3h25m19s
